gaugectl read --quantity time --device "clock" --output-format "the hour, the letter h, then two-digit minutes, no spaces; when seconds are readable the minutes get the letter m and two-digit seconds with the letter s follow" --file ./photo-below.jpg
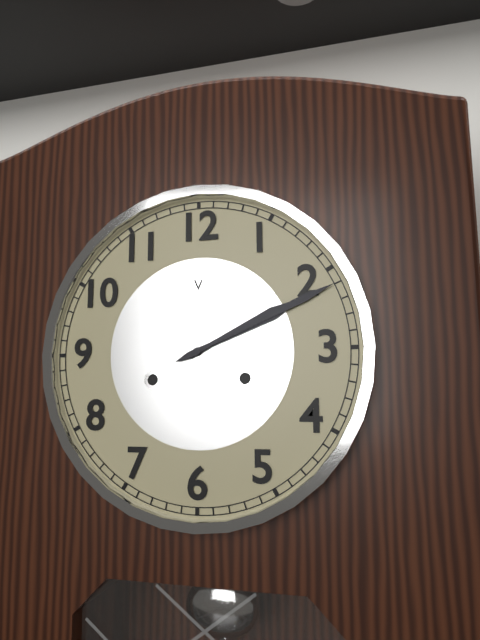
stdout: 2h11
